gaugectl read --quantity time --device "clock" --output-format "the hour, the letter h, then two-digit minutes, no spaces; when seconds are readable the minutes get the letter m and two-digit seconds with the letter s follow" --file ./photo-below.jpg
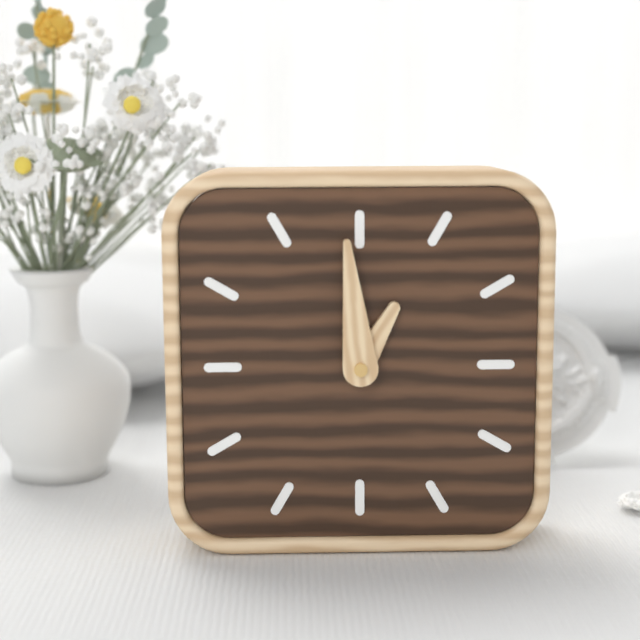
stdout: 12h59
